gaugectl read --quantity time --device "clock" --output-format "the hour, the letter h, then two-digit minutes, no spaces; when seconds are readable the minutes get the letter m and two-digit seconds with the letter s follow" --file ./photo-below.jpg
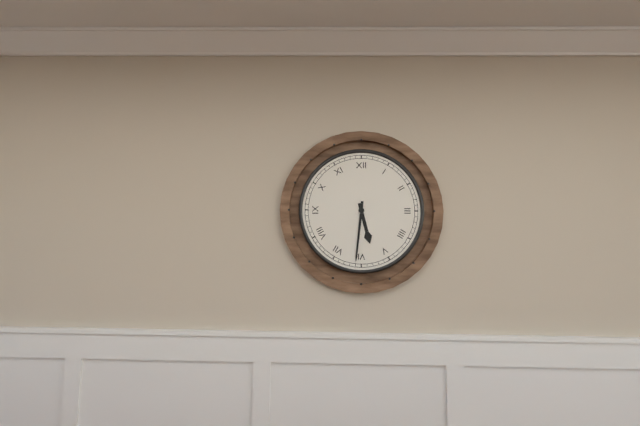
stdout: 5h31
